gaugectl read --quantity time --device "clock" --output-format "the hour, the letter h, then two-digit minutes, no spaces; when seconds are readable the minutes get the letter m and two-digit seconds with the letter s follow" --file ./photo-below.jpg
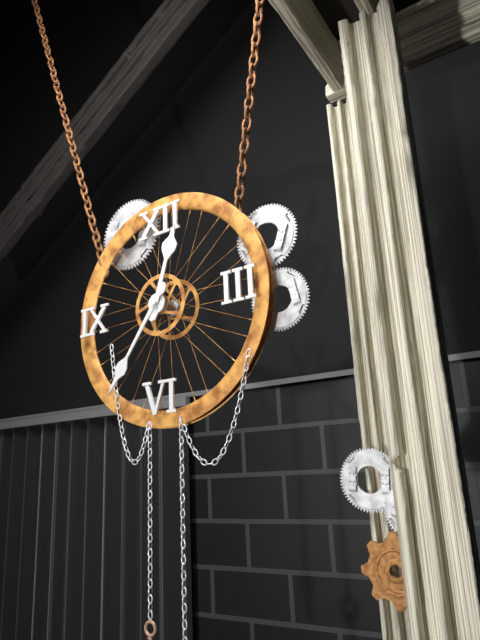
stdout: 12h36
